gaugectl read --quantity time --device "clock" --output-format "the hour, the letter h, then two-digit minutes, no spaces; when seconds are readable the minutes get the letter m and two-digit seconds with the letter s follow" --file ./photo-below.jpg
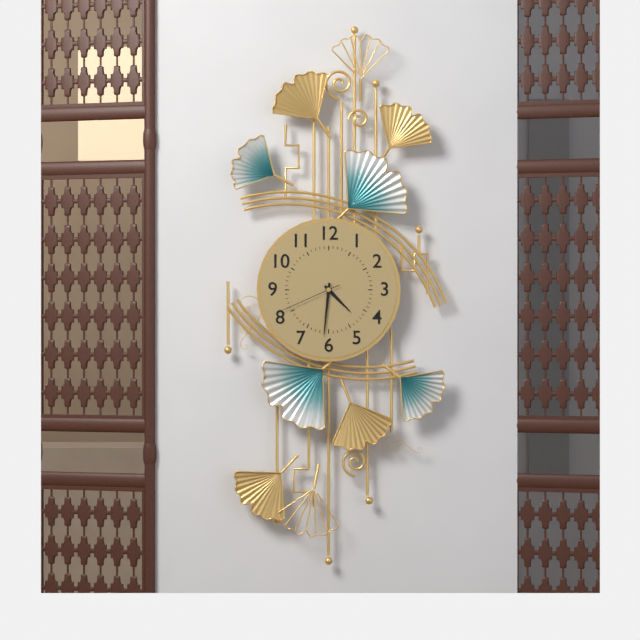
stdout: 4h31m41s
